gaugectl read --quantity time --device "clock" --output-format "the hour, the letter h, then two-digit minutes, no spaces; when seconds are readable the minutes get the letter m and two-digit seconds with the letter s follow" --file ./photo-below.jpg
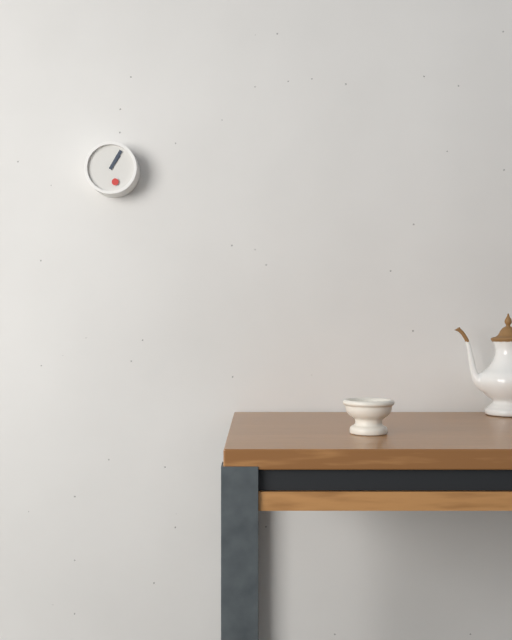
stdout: 1h05
